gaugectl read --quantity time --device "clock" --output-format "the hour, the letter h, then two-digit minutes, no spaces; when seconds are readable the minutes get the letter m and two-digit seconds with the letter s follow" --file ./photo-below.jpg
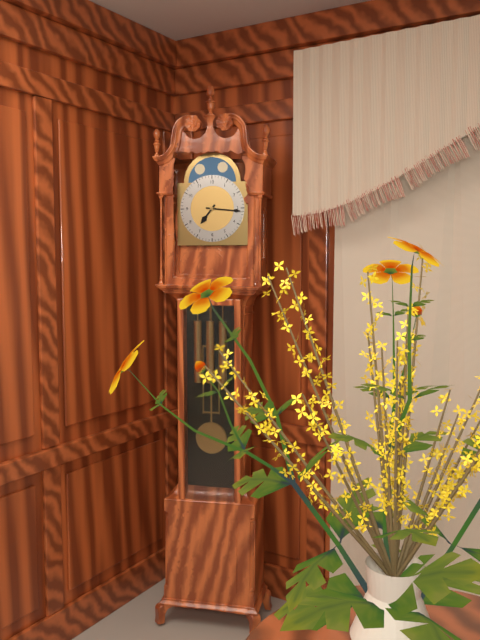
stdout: 7h16
